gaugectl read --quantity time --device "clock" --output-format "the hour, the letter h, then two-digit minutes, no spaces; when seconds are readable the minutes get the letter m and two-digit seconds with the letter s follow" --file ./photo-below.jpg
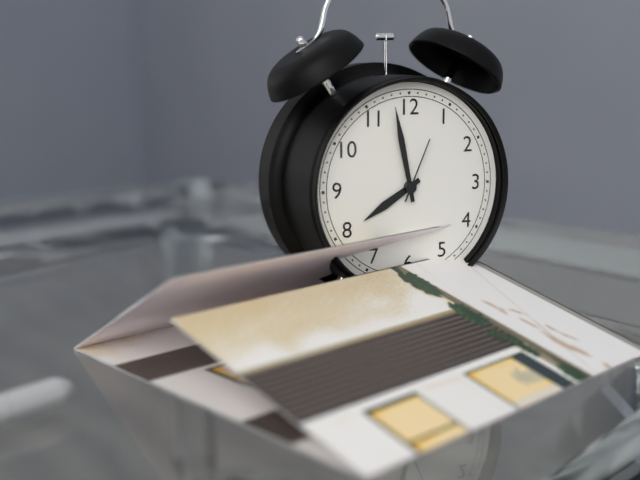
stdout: 7h58m04s
